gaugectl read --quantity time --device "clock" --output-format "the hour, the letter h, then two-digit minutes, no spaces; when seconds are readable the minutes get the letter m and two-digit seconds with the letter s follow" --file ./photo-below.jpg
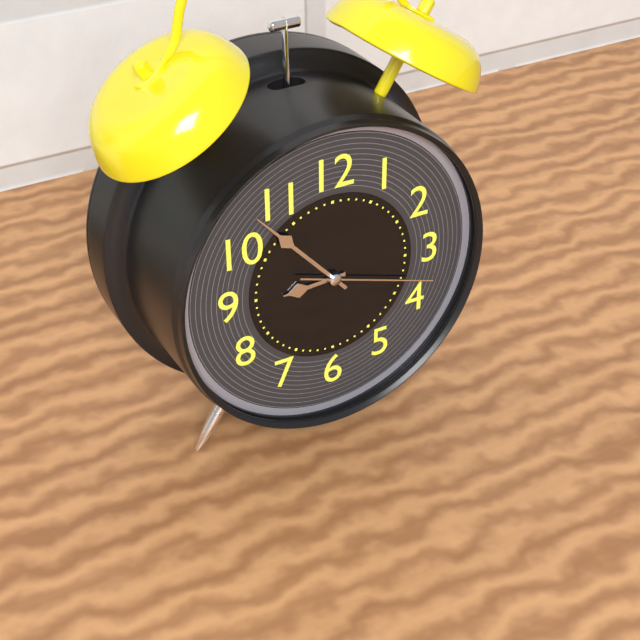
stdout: 8h53m18s
